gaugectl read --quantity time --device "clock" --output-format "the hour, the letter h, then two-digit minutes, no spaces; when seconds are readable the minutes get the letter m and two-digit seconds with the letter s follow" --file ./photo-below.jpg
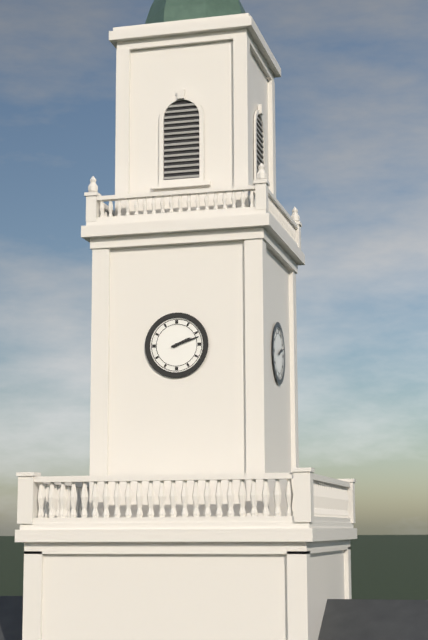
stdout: 2h12
